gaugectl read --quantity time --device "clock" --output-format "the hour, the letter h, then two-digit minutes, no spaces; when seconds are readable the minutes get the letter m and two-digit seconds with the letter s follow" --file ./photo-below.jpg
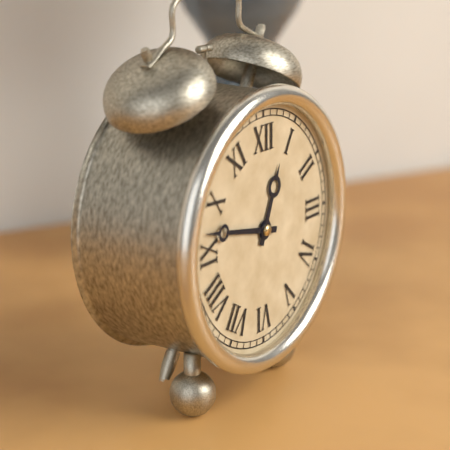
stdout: 12h47
